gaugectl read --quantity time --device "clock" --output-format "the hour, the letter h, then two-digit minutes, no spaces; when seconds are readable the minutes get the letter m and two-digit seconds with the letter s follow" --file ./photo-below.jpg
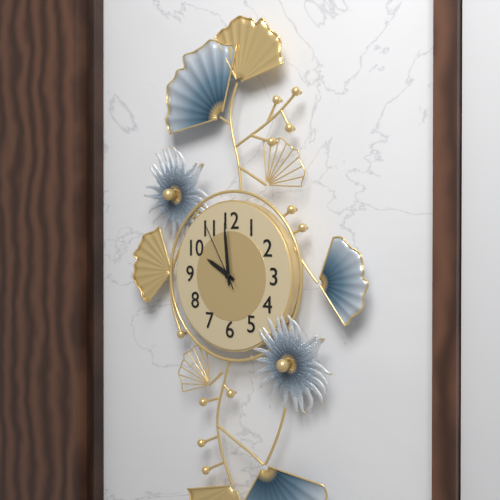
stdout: 9h59m55s
